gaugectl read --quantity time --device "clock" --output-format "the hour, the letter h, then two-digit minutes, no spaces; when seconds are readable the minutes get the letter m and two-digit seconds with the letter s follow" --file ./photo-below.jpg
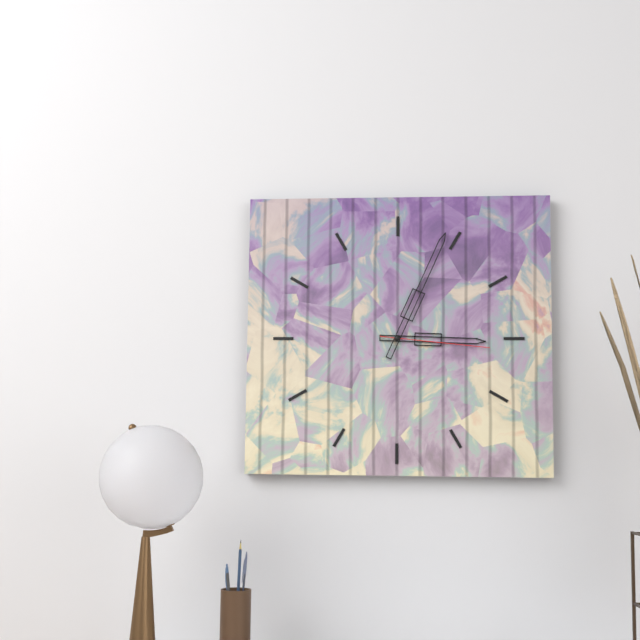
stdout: 3h04m16s
